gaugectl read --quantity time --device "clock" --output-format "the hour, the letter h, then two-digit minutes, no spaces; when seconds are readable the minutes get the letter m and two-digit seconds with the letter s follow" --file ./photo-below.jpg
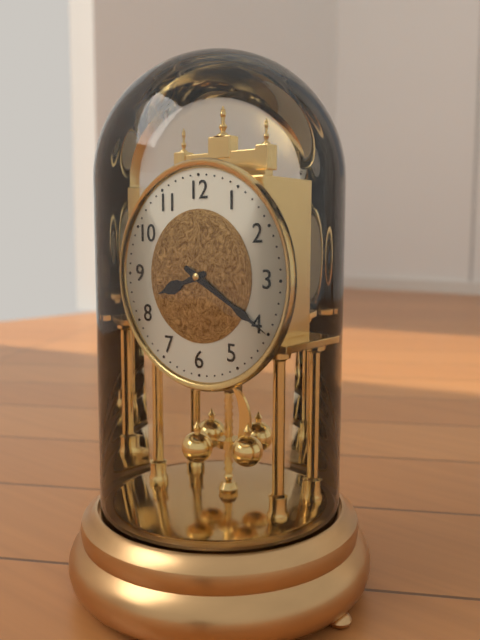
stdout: 8h20
